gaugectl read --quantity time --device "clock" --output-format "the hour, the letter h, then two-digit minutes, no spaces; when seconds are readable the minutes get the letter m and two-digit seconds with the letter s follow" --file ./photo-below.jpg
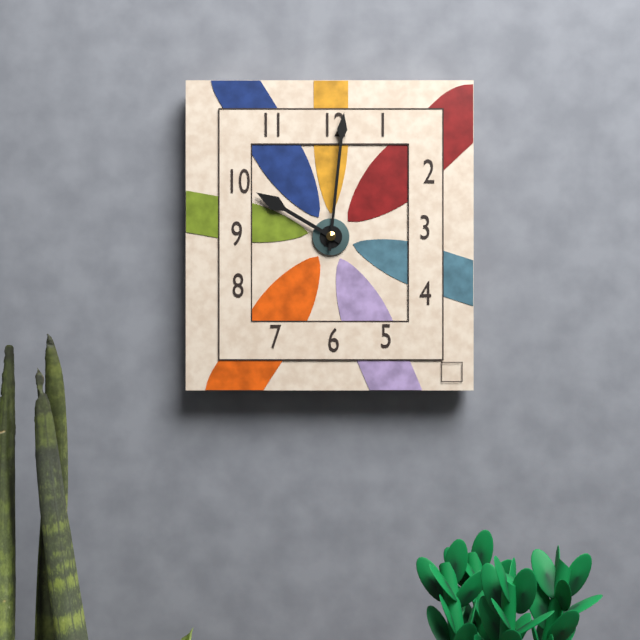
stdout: 10h01
